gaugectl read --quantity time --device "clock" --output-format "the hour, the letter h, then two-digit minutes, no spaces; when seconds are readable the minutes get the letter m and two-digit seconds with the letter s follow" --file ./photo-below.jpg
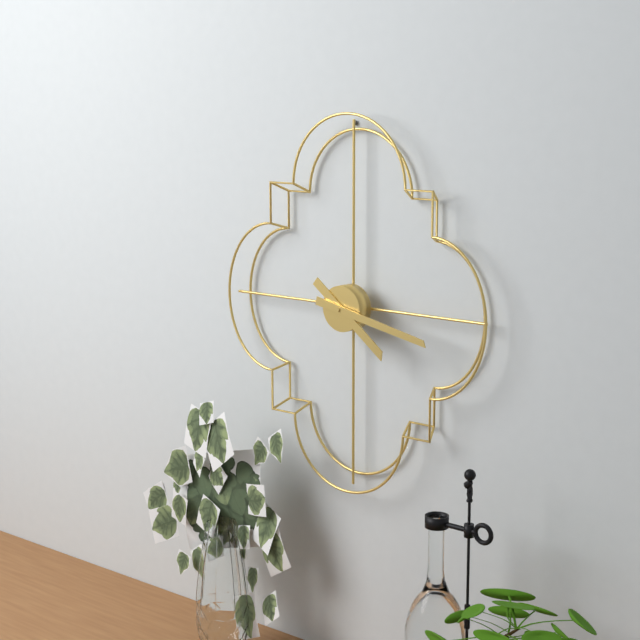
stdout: 4h17
